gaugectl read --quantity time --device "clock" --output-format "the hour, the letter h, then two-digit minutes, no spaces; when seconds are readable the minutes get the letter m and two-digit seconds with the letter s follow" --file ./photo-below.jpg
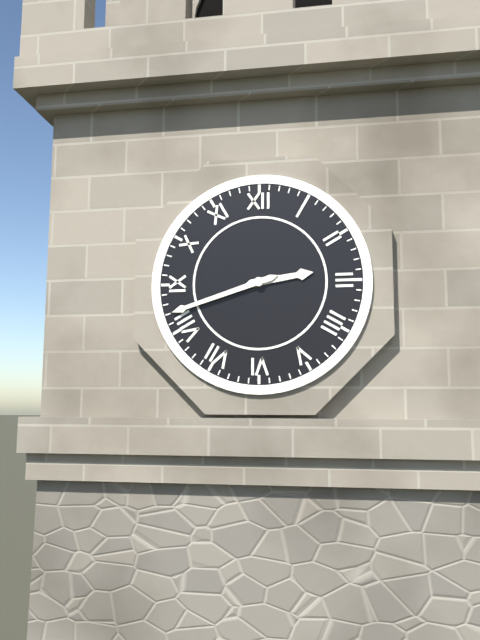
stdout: 2h42
